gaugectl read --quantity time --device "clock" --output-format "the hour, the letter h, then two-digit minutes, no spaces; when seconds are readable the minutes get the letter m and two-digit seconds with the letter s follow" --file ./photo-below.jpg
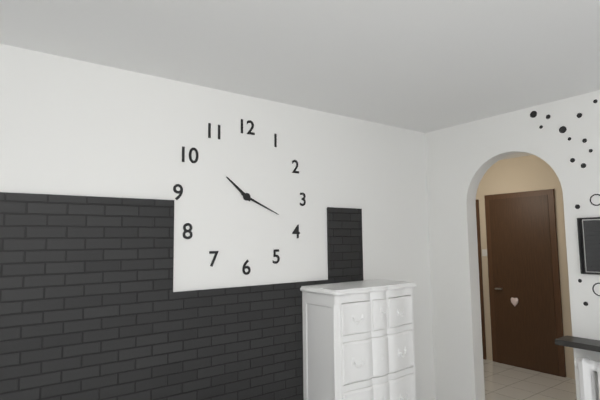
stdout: 10h19
